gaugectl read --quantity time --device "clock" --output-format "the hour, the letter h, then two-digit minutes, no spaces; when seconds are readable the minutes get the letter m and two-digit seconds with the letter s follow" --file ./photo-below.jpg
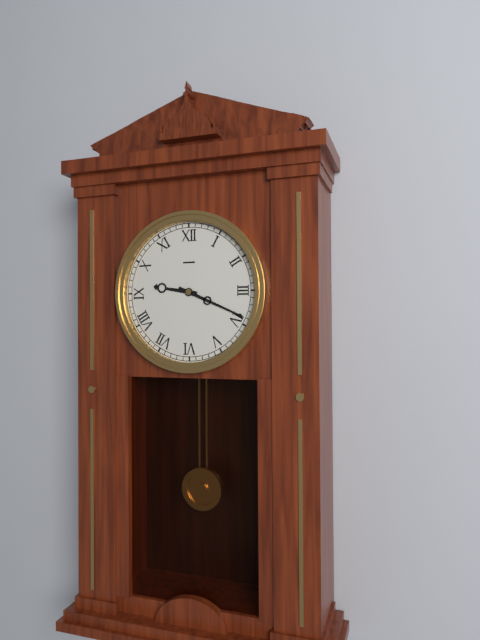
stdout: 9h19
